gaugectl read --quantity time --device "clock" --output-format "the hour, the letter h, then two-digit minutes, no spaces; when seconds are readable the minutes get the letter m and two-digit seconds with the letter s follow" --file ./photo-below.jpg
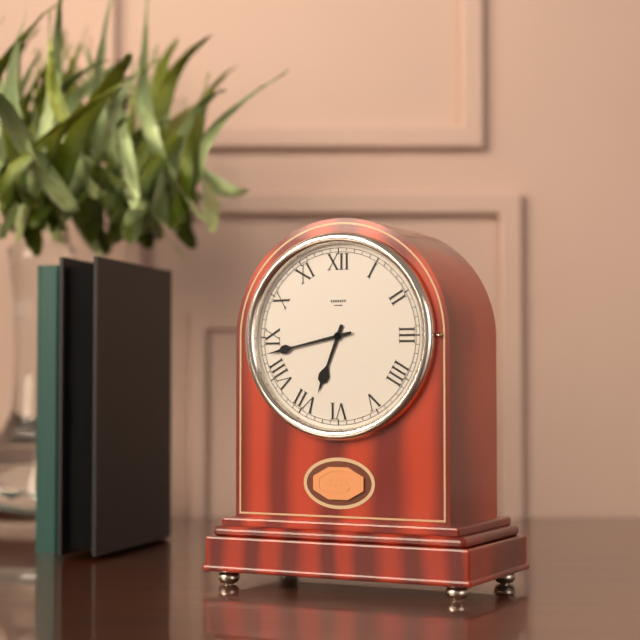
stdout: 6h43
